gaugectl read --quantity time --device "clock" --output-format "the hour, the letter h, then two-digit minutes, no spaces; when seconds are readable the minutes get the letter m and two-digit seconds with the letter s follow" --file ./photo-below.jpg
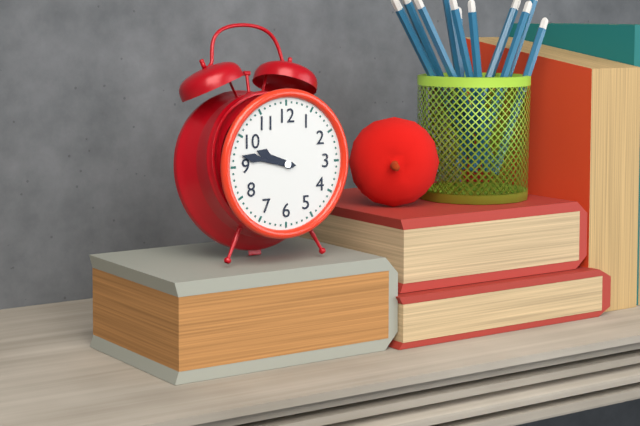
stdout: 9h47
